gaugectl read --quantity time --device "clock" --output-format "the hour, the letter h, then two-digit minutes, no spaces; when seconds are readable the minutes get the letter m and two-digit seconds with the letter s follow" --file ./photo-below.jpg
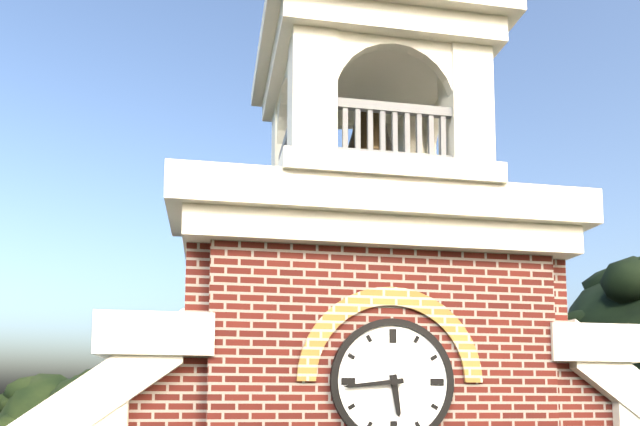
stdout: 5h44
